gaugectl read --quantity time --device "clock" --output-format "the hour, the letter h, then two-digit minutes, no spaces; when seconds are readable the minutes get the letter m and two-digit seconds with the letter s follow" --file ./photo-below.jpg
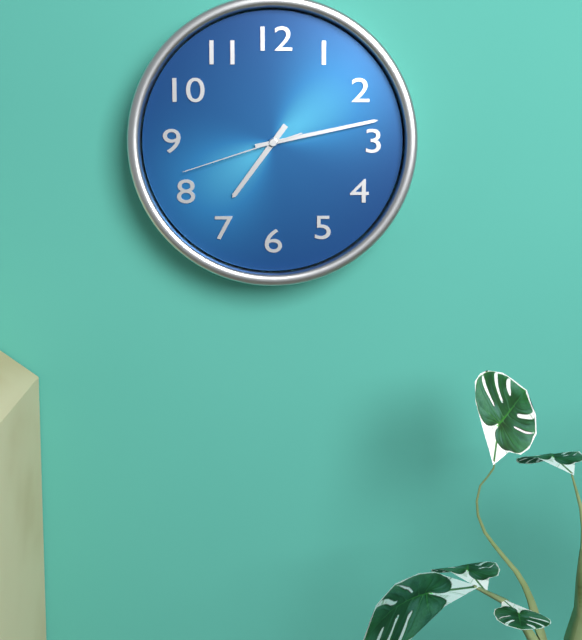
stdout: 7h13m42s
